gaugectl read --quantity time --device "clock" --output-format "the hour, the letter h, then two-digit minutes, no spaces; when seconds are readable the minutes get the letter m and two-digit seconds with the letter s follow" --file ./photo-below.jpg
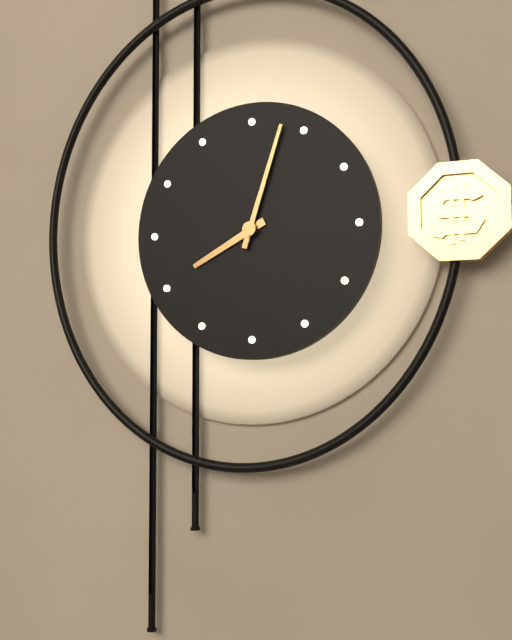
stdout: 8h03
